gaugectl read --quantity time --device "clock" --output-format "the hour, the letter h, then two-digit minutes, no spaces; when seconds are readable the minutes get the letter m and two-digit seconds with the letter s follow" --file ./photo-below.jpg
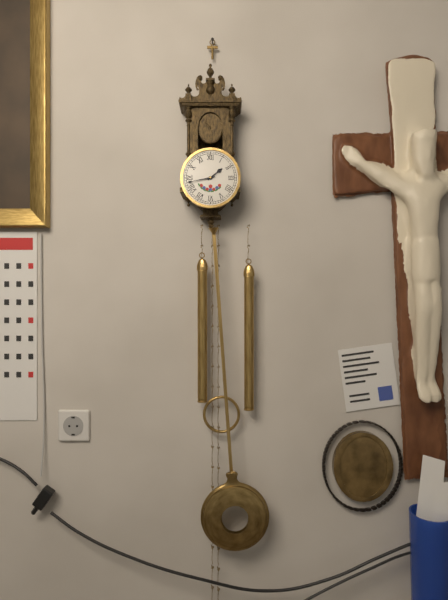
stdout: 1h43
